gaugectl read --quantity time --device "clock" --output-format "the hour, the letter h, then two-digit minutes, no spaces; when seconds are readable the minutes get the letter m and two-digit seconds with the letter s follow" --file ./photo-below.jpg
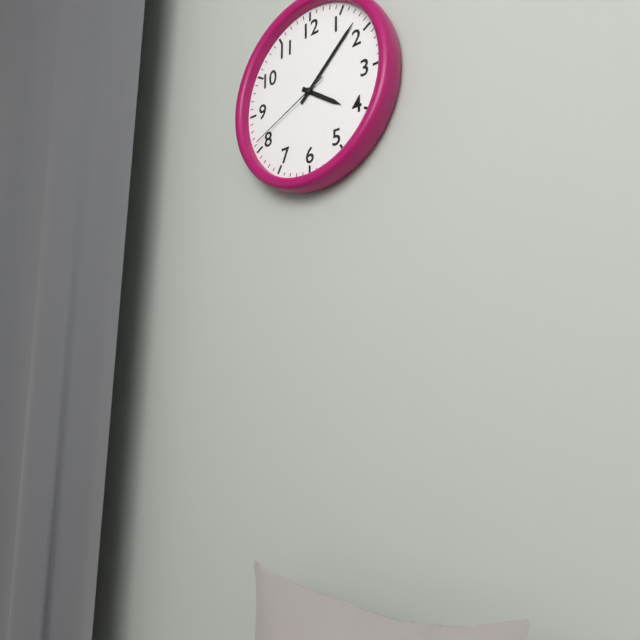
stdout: 4h08m41s
